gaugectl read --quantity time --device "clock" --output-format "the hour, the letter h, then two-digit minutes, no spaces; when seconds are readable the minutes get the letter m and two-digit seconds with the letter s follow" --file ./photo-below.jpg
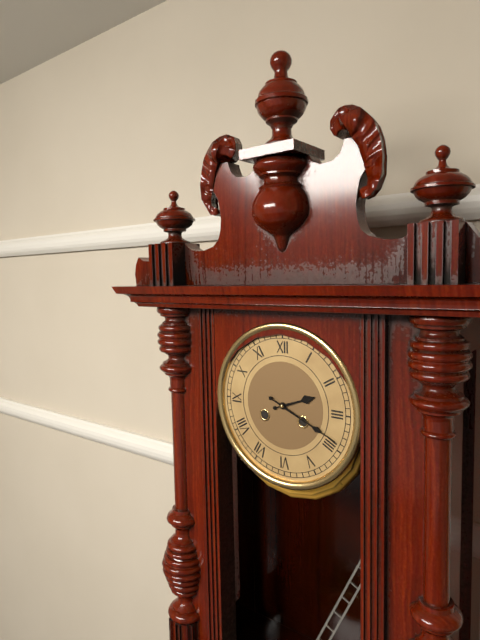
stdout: 2h19
